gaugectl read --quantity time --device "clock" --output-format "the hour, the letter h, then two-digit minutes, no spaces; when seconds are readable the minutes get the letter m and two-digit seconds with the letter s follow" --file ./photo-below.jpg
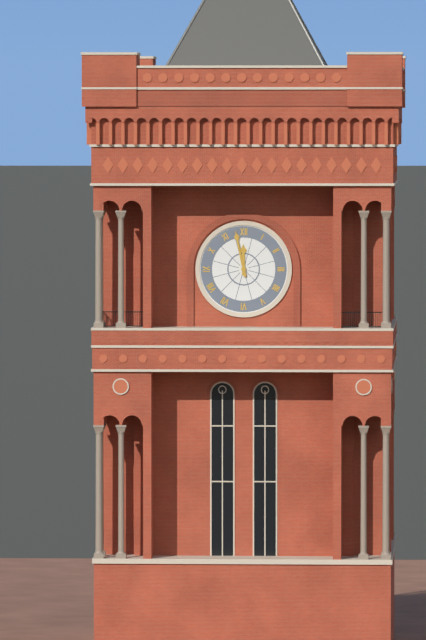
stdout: 11h58
